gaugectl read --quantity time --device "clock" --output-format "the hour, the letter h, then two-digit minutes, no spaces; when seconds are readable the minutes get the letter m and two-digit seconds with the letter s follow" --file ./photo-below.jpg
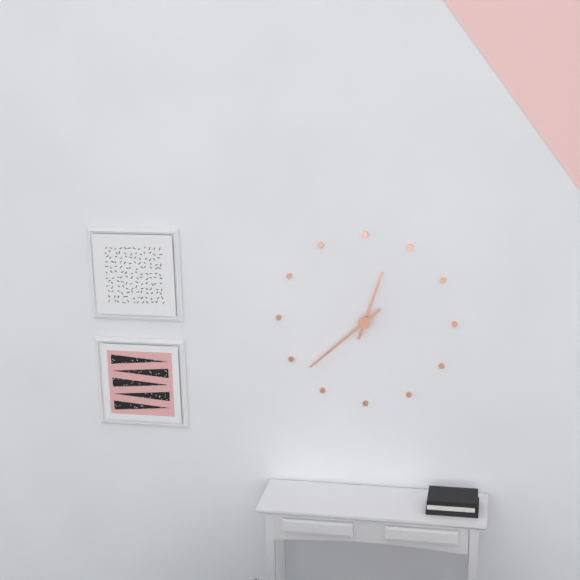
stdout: 12h38
